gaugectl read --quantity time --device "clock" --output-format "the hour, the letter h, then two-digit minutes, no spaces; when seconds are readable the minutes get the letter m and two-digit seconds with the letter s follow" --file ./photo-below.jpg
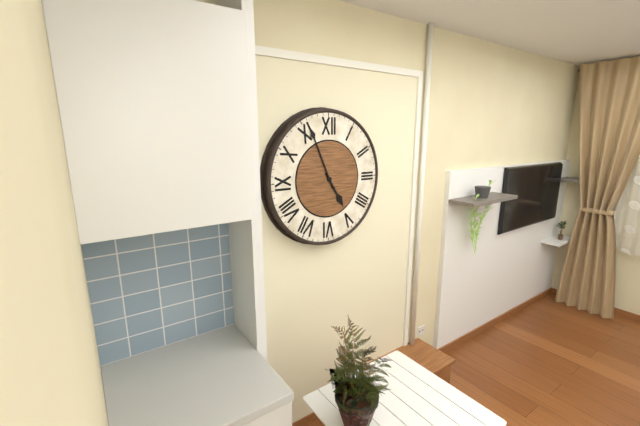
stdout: 4h56
